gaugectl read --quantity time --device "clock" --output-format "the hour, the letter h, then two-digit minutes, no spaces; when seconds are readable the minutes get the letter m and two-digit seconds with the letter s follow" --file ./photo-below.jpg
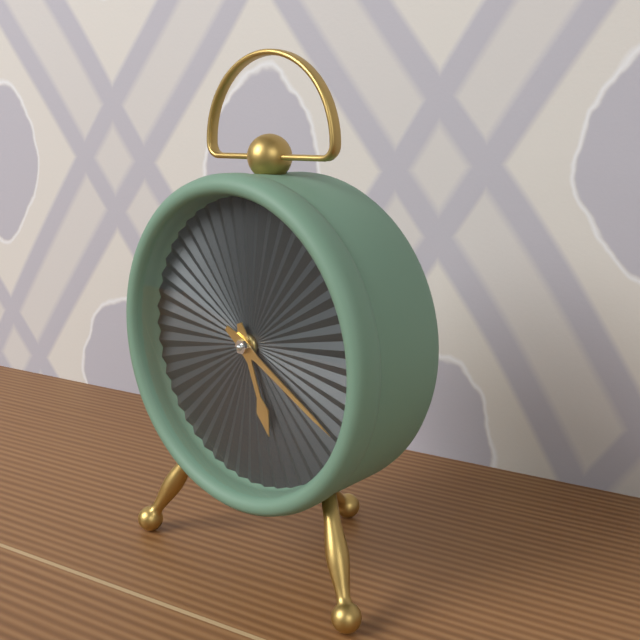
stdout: 5h20
